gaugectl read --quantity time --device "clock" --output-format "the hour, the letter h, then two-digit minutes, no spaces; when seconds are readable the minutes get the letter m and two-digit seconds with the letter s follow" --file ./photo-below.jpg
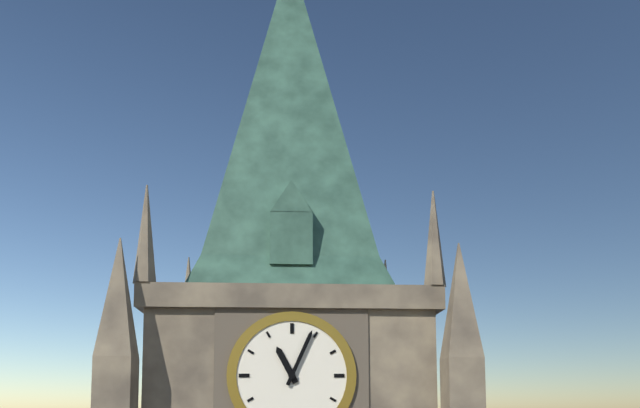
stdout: 11h04
